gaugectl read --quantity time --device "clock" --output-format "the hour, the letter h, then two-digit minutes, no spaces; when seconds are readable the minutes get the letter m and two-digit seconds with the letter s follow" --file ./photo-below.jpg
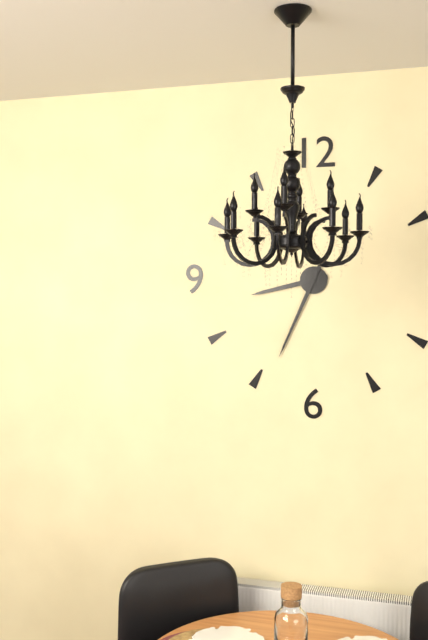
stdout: 8h34
